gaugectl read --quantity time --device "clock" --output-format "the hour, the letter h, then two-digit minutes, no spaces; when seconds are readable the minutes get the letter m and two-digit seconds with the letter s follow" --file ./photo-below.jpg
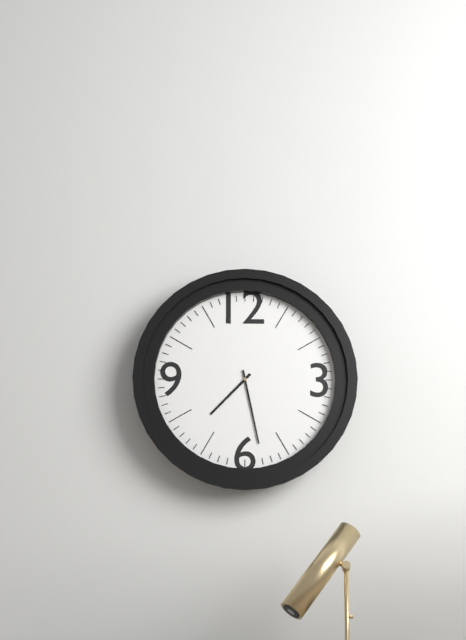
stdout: 7h28
